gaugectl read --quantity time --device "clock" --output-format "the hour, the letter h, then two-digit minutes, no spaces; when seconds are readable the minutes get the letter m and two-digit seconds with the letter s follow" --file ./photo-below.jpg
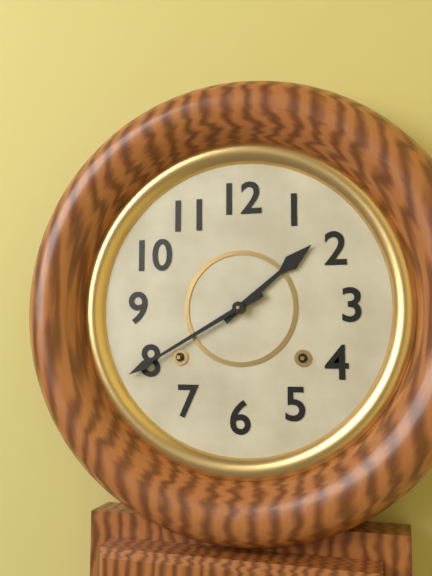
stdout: 1h40
